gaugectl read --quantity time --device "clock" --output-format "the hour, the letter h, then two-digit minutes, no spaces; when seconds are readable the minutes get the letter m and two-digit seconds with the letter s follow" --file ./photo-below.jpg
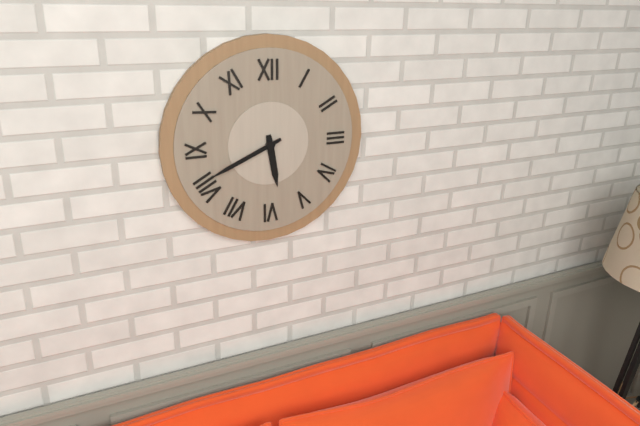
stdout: 5h41
